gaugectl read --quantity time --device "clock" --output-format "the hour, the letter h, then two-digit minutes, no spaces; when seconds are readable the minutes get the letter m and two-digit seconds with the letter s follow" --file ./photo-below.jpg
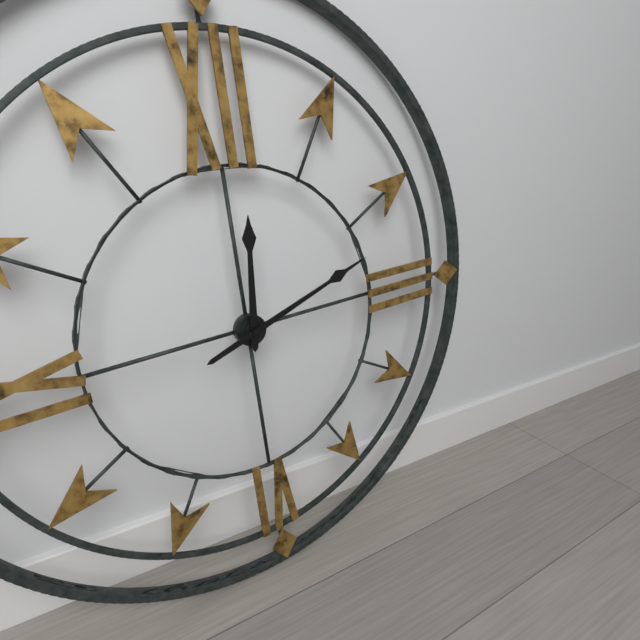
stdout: 12h12
